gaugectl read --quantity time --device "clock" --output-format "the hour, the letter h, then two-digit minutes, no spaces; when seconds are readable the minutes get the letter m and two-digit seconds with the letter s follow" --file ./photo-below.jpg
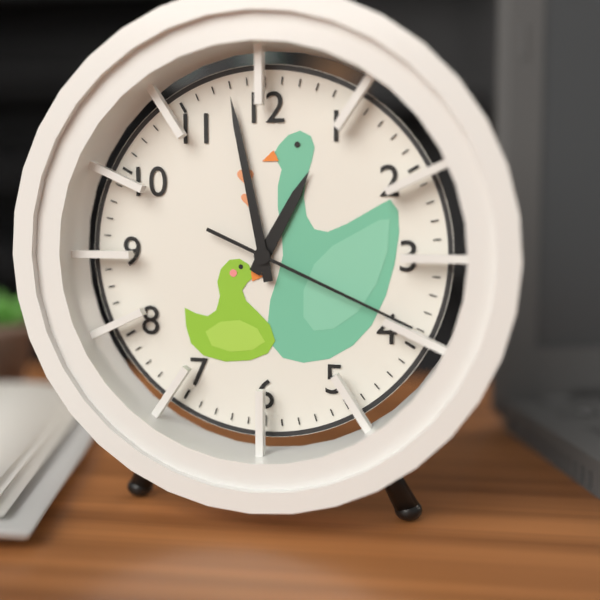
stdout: 12h58m19s
